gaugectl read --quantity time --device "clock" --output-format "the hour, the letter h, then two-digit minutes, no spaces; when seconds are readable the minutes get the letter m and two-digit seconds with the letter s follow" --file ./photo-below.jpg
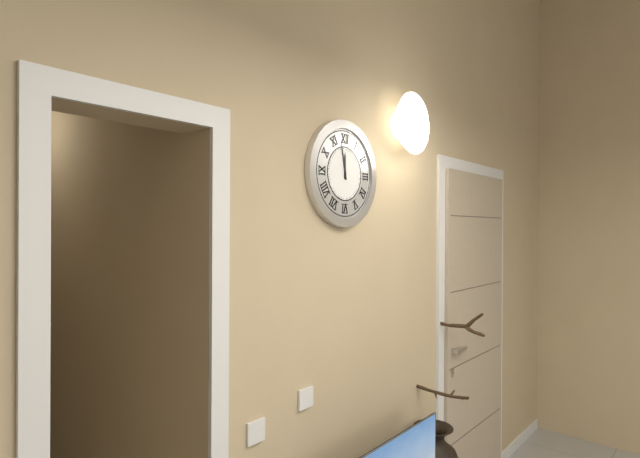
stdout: 11h58
